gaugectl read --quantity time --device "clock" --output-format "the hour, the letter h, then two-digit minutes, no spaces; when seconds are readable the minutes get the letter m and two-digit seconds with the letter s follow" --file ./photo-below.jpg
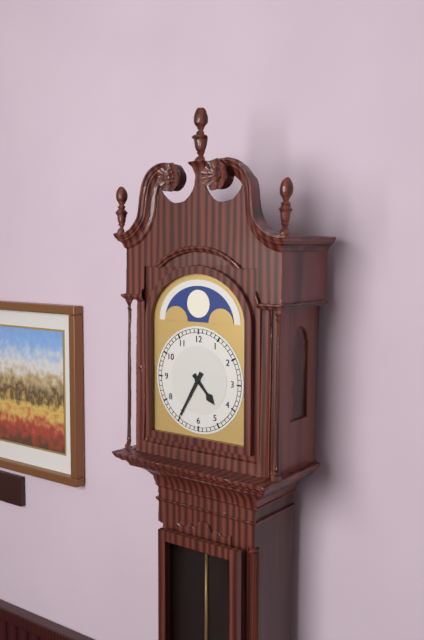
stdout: 4h35
